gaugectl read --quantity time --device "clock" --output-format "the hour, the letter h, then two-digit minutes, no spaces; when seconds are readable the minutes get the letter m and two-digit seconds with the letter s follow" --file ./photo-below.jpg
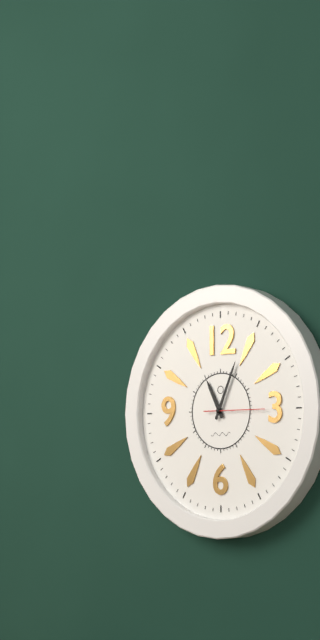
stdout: 11h04m15s
